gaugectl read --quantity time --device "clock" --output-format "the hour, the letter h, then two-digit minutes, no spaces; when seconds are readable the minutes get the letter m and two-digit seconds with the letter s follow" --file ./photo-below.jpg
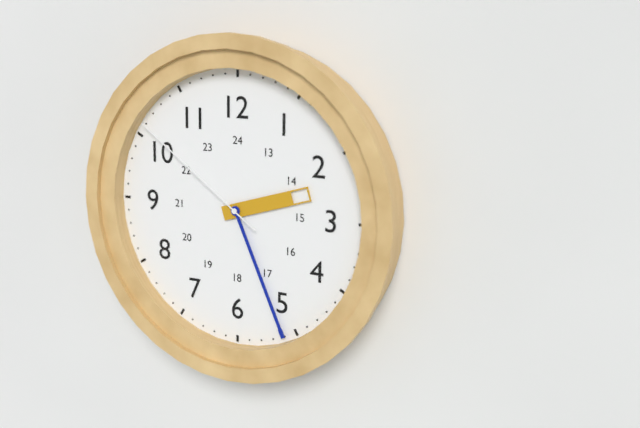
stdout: 2h26m51s
